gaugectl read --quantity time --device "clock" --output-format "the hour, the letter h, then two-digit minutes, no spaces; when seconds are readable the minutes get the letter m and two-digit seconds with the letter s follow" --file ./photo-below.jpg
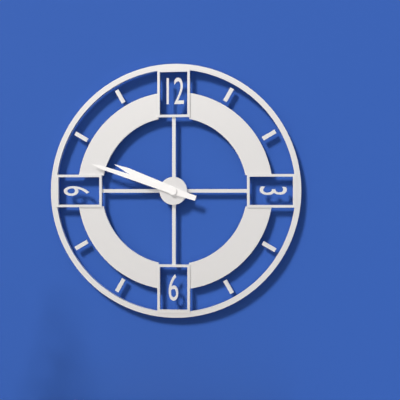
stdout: 9h48
